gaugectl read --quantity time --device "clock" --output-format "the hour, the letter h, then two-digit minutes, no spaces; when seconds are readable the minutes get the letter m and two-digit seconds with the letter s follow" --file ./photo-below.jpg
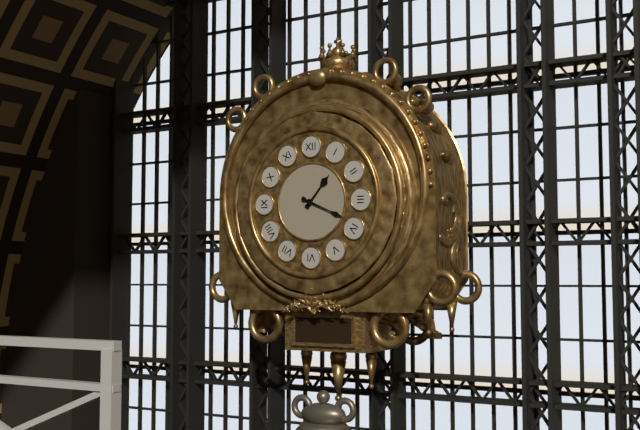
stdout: 1h19
